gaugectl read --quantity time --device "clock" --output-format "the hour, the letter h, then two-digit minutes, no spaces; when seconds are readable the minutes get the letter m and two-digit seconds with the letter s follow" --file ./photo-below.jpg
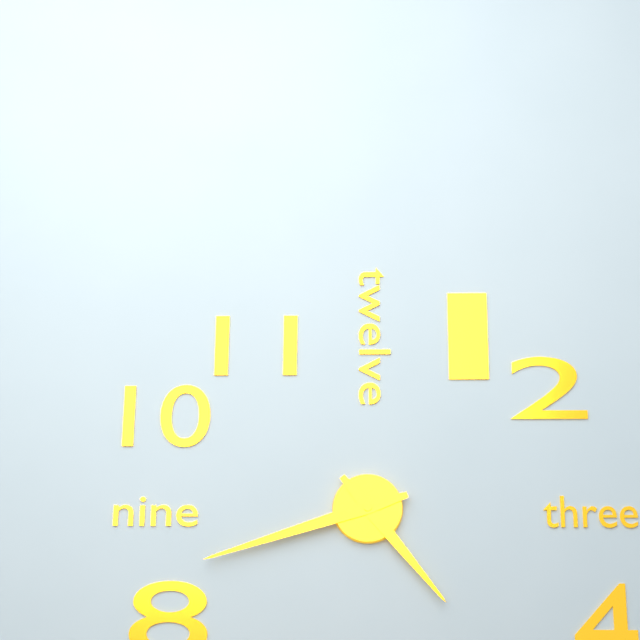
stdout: 4h42
